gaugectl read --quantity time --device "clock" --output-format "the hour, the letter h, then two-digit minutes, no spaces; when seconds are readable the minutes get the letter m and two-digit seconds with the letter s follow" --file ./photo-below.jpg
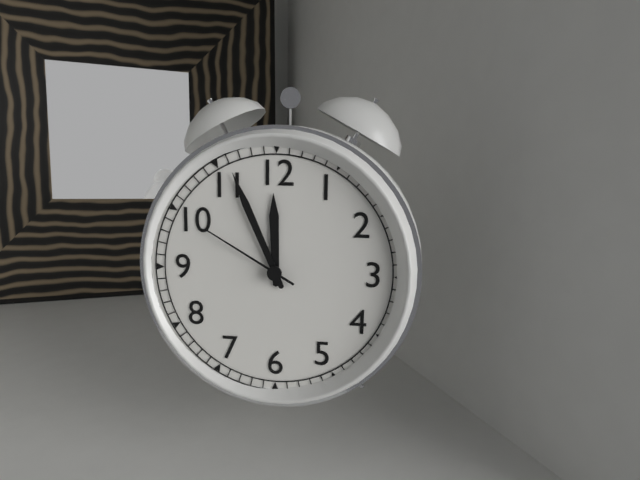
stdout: 11h56m50s
